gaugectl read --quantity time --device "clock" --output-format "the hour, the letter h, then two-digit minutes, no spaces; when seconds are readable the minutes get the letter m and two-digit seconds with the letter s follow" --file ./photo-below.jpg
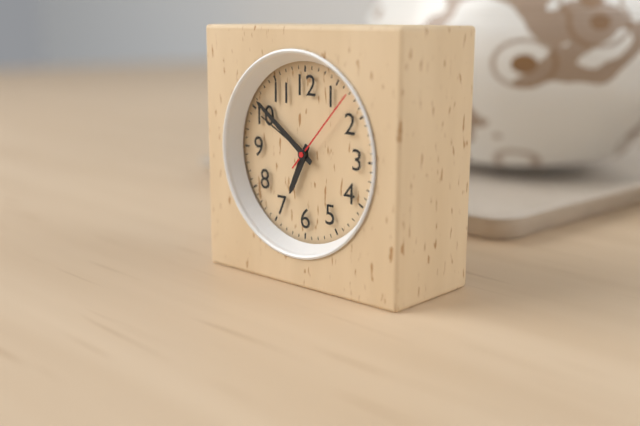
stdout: 6h51m07s
